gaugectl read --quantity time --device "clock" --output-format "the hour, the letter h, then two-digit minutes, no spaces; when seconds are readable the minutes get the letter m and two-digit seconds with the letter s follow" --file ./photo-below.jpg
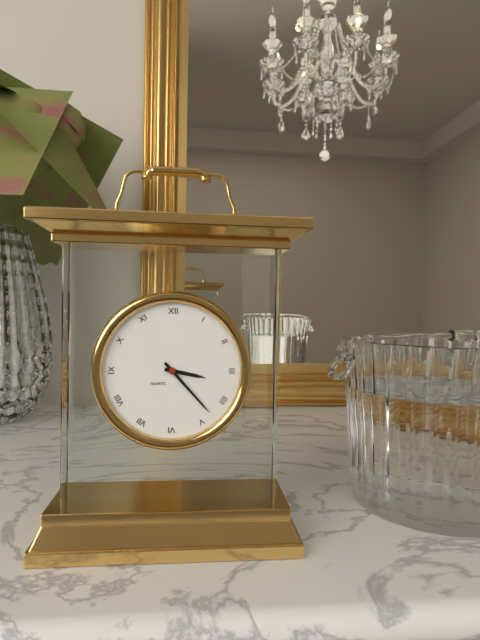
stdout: 3h23
